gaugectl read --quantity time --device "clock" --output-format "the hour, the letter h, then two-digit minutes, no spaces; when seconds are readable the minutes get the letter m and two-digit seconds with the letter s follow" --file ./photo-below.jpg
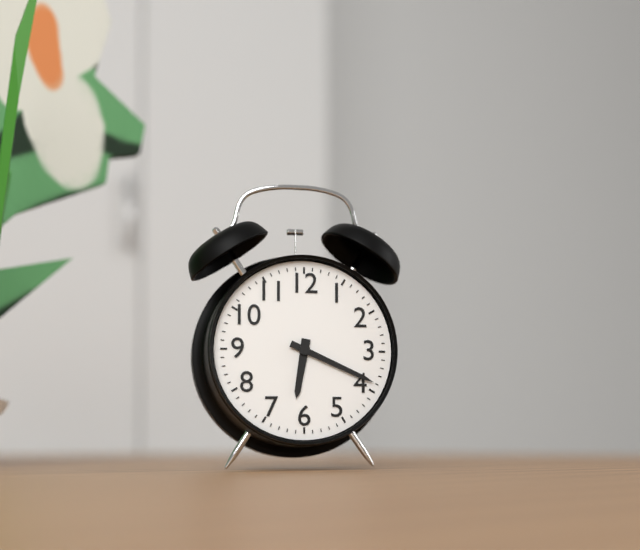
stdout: 6h19
